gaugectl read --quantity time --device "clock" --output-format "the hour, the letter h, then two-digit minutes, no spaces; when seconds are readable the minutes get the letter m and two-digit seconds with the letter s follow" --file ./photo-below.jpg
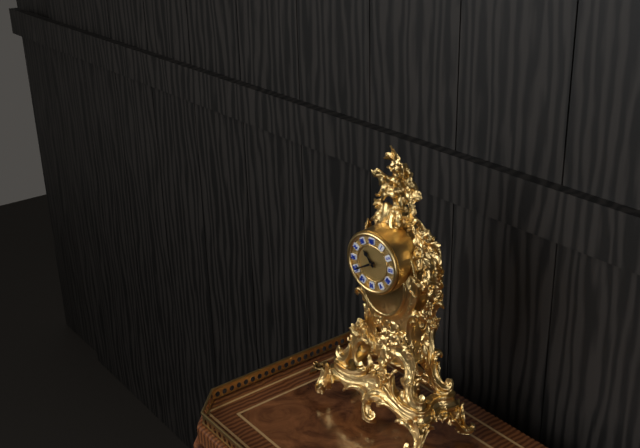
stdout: 10h40
